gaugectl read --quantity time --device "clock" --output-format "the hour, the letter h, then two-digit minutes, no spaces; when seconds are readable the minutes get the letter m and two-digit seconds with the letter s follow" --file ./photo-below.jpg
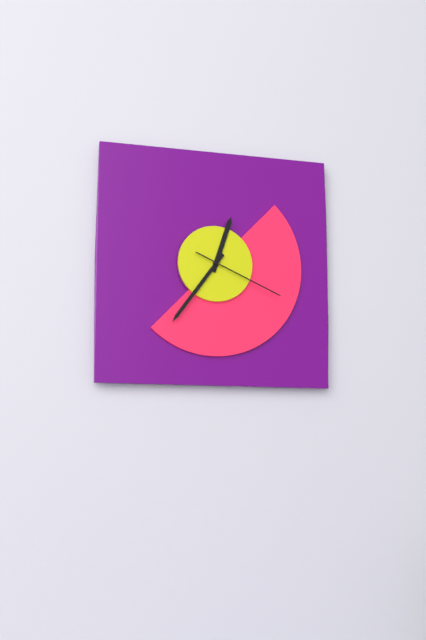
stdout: 12h36m19s
